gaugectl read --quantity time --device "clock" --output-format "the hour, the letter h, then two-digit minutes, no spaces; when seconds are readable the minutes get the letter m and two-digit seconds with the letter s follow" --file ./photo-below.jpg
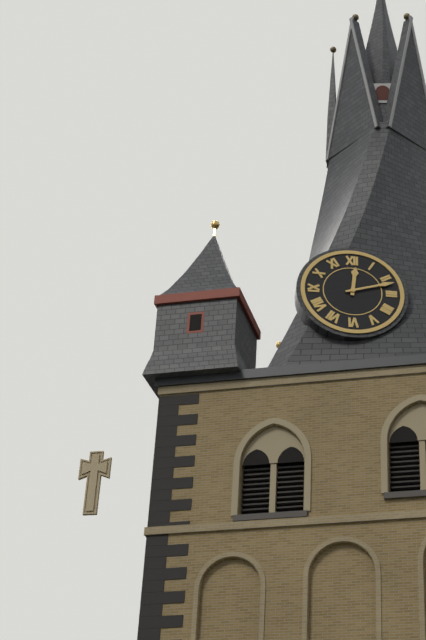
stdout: 12h12
